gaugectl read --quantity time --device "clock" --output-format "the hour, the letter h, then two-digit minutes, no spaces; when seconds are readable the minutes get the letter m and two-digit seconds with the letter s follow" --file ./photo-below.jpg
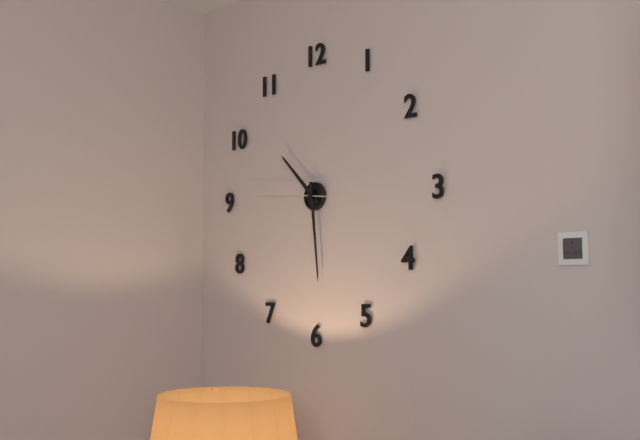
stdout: 10h29m46s
